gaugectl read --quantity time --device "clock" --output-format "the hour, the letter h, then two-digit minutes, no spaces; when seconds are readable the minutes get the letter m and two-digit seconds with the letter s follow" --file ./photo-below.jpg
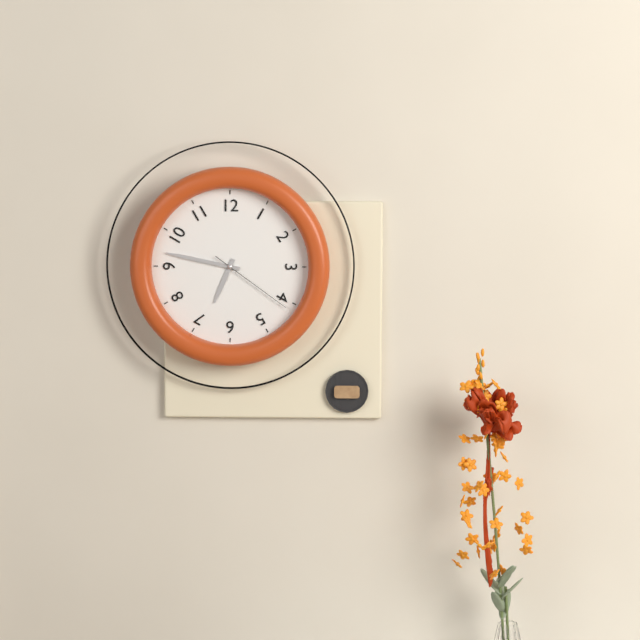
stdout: 6h47m21s
